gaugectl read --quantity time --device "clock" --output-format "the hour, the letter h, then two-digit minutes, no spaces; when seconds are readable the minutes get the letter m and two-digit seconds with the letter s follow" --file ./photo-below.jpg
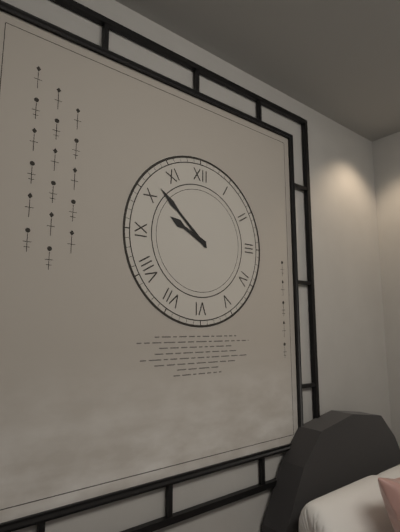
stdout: 9h52
